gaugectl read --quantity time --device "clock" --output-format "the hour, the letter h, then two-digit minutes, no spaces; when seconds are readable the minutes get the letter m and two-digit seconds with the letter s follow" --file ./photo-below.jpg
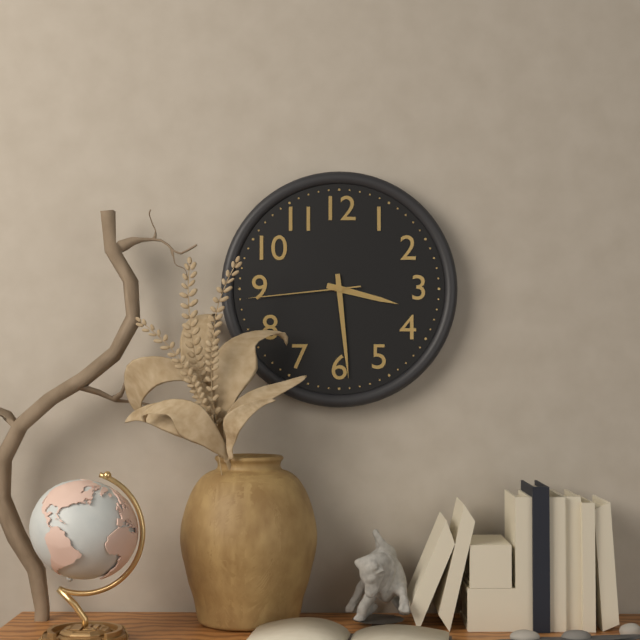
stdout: 3h29m44s
